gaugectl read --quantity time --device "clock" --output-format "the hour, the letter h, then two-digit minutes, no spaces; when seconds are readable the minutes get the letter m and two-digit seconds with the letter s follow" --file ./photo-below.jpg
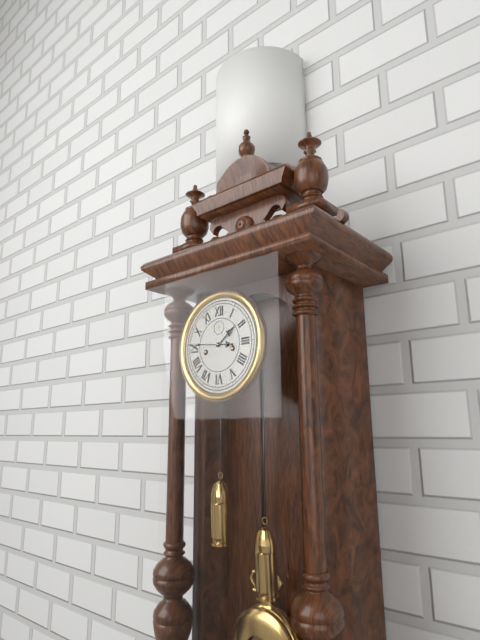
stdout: 1h46
